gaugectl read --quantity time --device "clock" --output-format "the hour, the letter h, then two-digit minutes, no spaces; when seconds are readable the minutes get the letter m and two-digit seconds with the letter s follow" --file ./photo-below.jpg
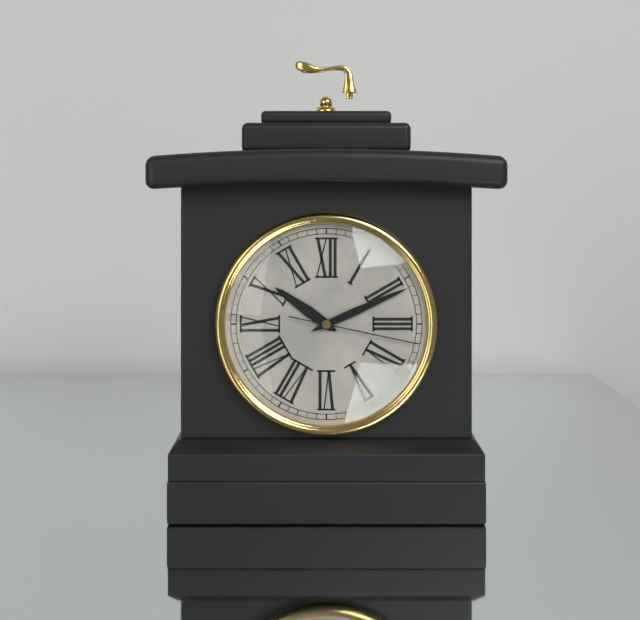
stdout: 10h11m17s
